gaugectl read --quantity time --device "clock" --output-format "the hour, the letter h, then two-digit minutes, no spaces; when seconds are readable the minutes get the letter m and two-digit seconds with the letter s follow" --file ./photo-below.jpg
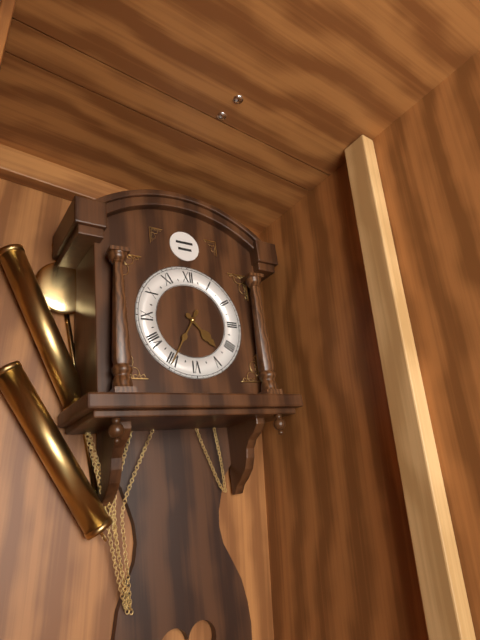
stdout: 4h35
